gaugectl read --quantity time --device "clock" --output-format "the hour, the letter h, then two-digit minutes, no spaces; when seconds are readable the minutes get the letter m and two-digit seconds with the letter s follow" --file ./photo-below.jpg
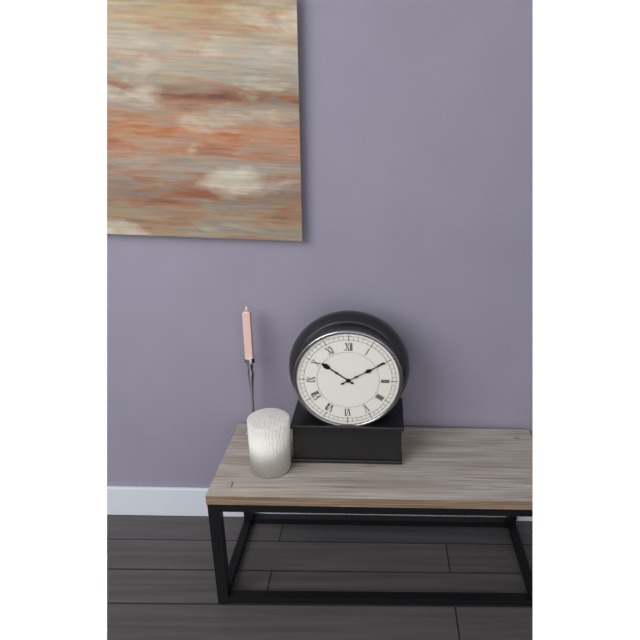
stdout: 10h10
